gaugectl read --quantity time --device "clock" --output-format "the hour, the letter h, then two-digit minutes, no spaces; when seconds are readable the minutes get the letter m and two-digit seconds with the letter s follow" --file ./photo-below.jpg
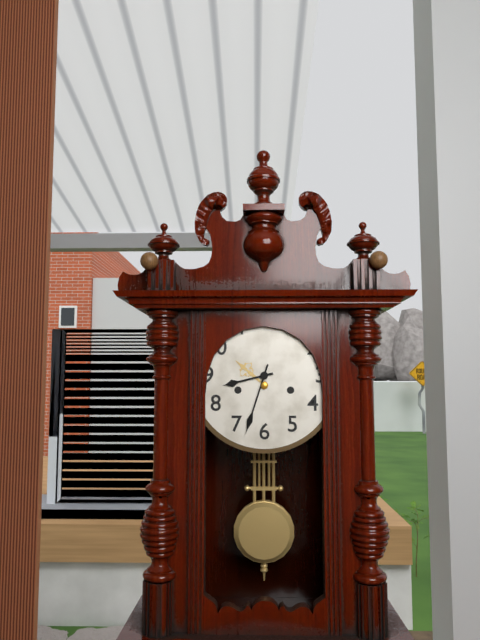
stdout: 8h33
